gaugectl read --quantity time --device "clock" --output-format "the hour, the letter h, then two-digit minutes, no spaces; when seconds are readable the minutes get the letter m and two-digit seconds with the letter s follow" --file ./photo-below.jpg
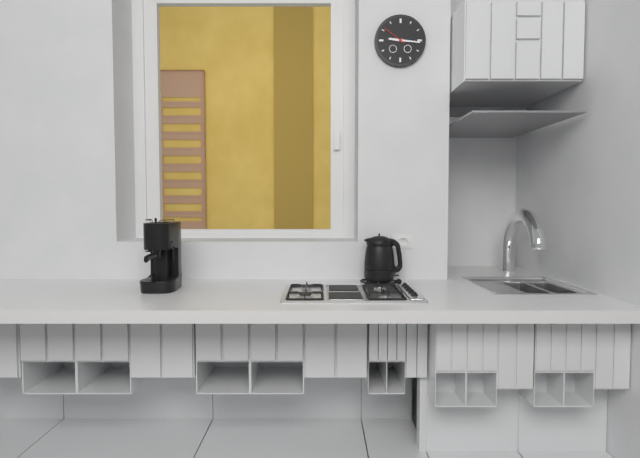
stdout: 9h16
